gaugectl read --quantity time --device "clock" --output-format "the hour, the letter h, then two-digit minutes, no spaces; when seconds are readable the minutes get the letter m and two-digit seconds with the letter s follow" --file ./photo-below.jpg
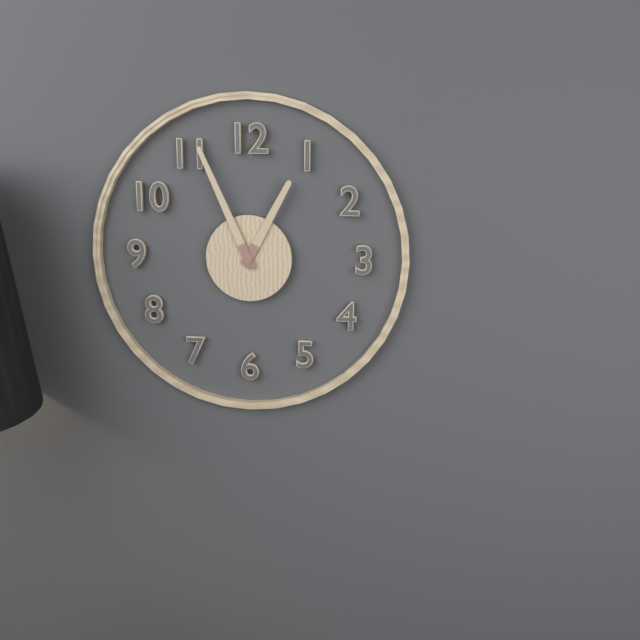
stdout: 12h56
